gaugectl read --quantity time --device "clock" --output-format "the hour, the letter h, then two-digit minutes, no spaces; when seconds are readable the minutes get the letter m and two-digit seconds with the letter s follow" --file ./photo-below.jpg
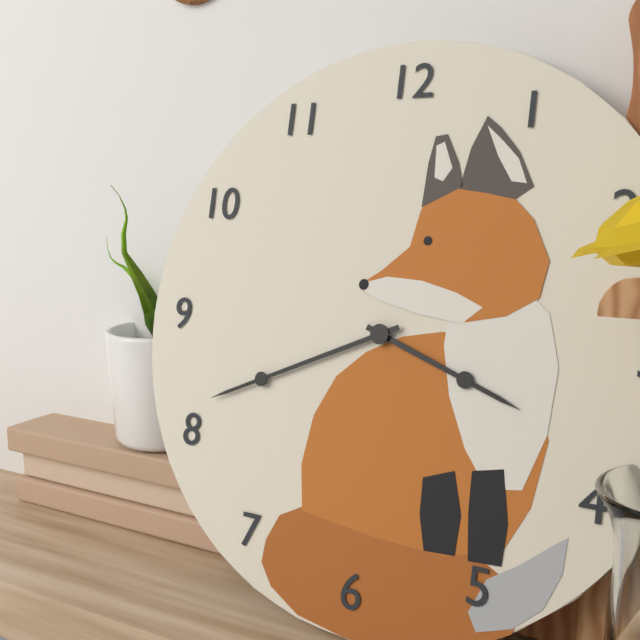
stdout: 3h41
